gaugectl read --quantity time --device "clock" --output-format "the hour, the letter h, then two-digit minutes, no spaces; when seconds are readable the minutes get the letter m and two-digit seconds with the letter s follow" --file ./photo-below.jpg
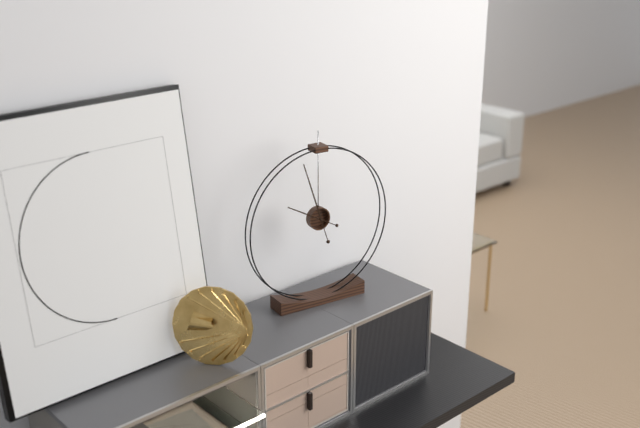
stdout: 9h57
